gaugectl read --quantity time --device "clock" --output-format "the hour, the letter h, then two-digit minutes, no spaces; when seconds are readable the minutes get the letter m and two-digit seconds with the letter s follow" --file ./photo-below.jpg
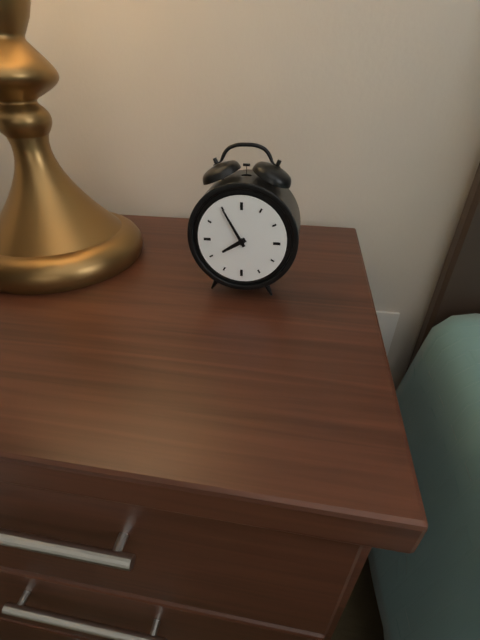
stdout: 7h55
